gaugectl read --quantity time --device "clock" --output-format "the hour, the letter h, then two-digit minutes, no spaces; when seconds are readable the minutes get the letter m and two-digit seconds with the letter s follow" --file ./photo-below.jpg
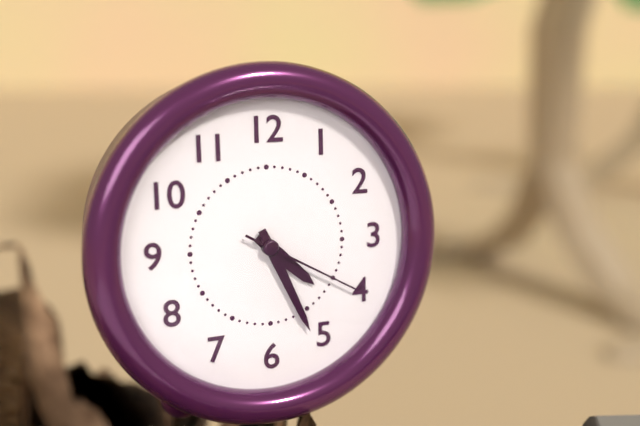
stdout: 4h26m20s
